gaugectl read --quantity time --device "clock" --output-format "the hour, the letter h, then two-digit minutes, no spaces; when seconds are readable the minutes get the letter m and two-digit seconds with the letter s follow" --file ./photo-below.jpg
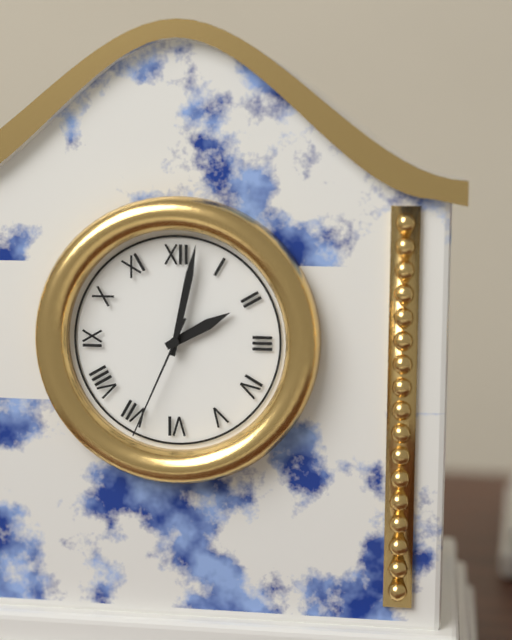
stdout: 2h02m34s
